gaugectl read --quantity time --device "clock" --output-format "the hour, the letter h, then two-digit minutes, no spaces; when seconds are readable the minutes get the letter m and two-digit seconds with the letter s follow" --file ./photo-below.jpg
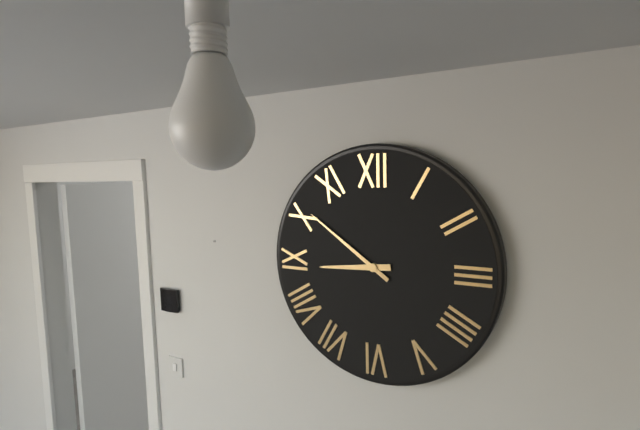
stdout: 8h51
